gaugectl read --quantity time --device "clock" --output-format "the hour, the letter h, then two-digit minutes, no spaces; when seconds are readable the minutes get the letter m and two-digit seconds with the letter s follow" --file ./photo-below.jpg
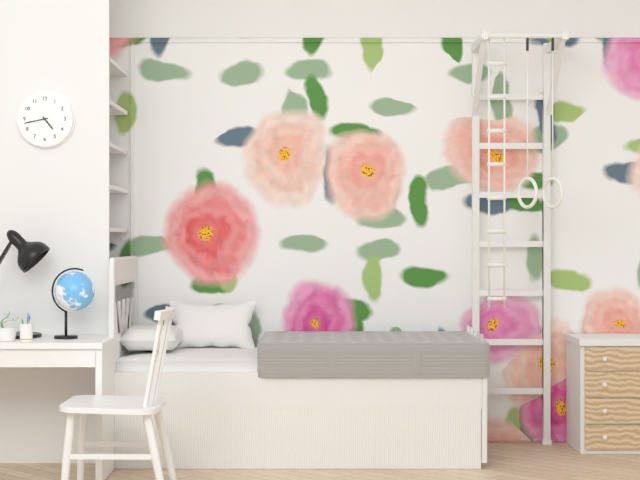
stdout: 4h43
